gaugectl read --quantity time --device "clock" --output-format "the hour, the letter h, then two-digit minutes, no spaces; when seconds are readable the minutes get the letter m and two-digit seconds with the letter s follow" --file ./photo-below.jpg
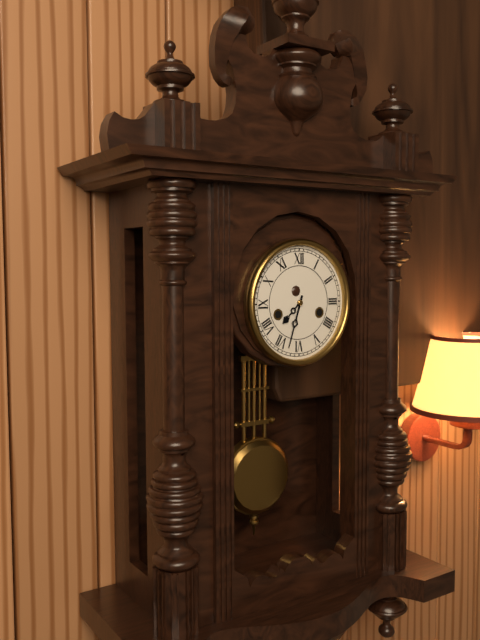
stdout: 7h33
